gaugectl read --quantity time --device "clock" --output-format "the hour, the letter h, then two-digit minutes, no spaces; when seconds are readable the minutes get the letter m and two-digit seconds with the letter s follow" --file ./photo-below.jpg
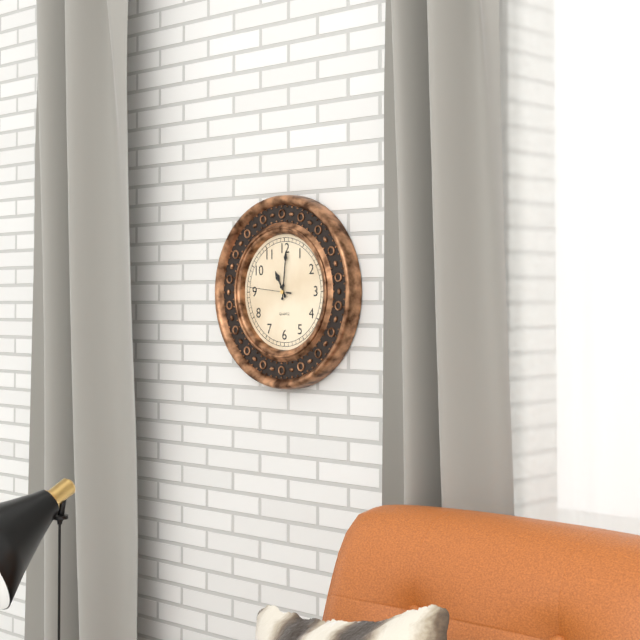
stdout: 11h01
